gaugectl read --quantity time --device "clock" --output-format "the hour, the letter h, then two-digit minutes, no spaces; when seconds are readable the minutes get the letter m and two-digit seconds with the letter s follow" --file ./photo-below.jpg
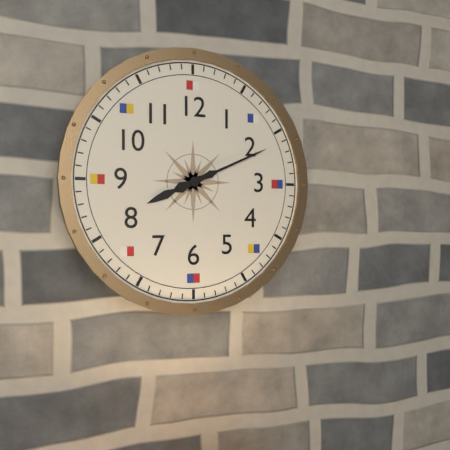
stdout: 8h11
